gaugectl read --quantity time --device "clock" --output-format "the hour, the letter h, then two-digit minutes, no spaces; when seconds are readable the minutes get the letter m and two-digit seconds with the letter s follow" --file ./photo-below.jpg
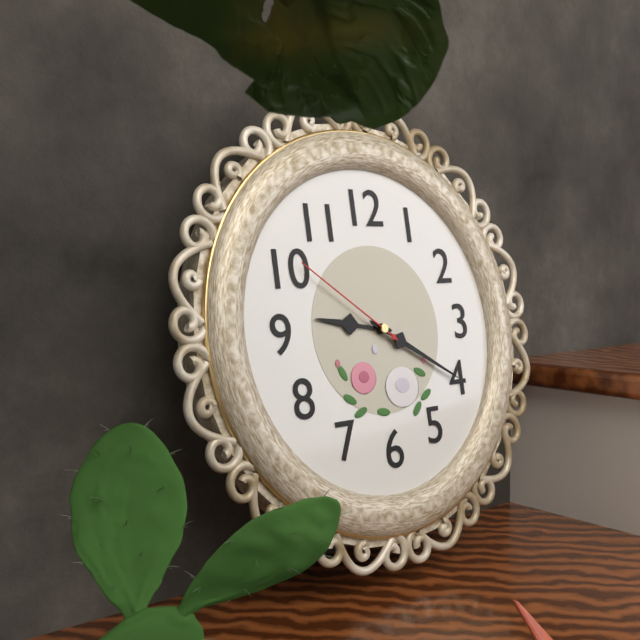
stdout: 9h20m51s
